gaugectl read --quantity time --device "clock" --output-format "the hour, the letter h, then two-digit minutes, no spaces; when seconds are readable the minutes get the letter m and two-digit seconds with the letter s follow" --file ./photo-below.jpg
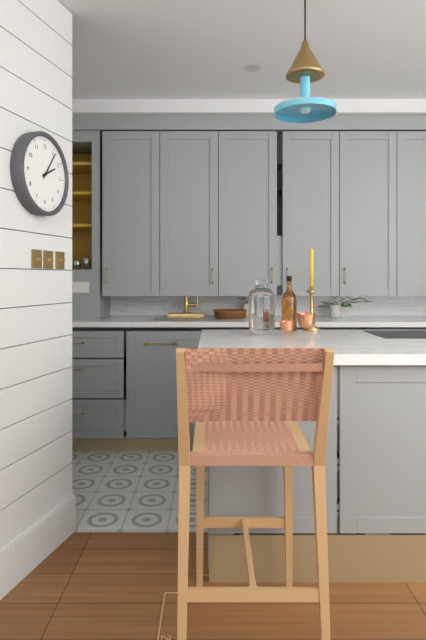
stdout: 2h06
